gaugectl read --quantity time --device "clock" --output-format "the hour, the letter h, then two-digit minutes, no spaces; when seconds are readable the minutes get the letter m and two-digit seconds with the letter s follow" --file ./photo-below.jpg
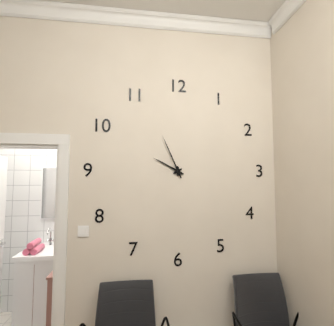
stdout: 9h56
